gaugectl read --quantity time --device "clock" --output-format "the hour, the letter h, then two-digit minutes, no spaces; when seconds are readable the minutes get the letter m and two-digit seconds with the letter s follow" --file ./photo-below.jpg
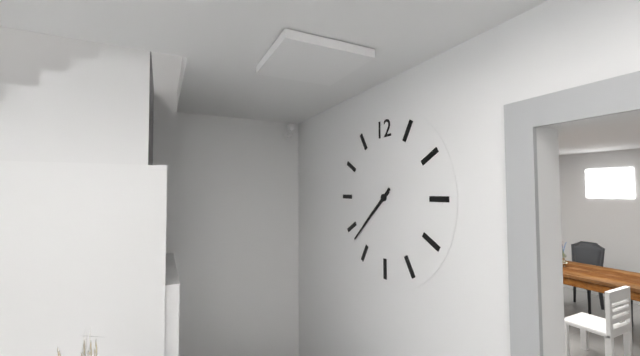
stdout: 7h38
